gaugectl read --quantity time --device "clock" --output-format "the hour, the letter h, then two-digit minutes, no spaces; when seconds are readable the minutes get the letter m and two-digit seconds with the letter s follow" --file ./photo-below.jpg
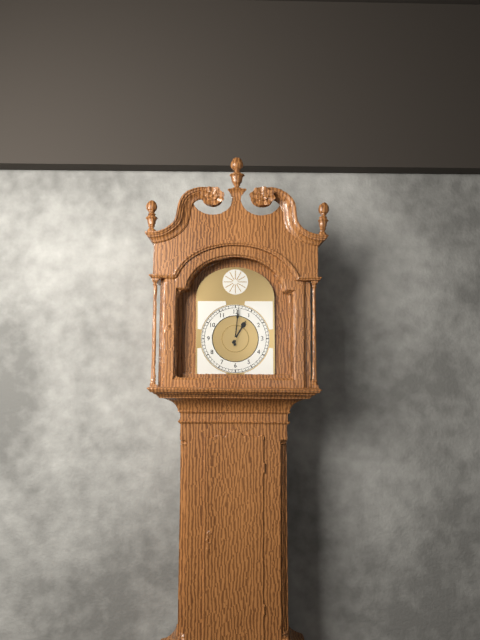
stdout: 1h01
